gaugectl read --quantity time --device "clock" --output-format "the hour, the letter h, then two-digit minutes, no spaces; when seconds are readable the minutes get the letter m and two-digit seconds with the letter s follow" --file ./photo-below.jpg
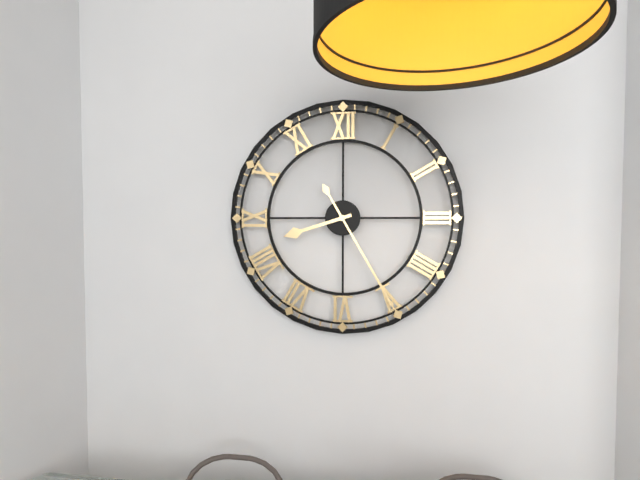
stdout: 8h25
